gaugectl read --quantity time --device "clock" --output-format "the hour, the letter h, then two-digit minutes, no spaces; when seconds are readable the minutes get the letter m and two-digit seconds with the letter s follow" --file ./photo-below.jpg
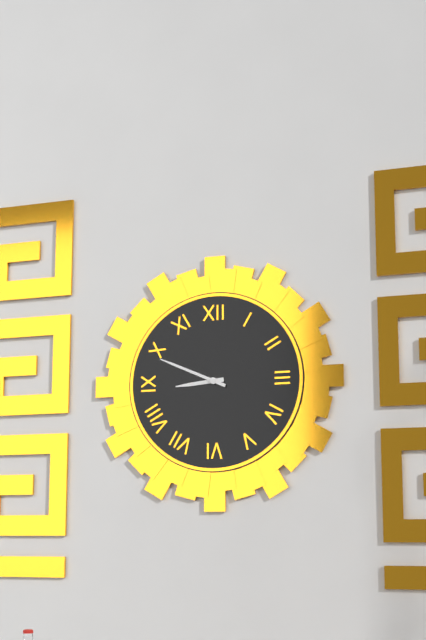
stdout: 8h49
